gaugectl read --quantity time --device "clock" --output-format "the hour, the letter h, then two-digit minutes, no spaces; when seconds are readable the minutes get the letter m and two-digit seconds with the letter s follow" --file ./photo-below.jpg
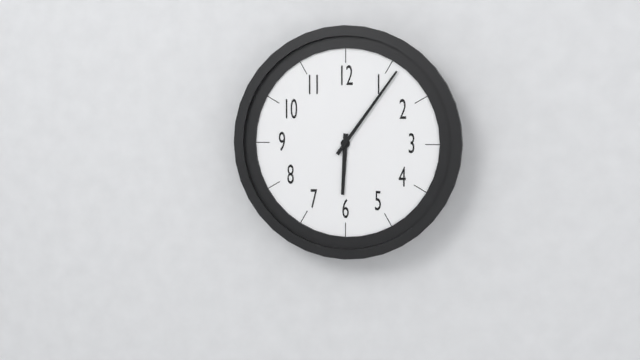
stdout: 6h06
